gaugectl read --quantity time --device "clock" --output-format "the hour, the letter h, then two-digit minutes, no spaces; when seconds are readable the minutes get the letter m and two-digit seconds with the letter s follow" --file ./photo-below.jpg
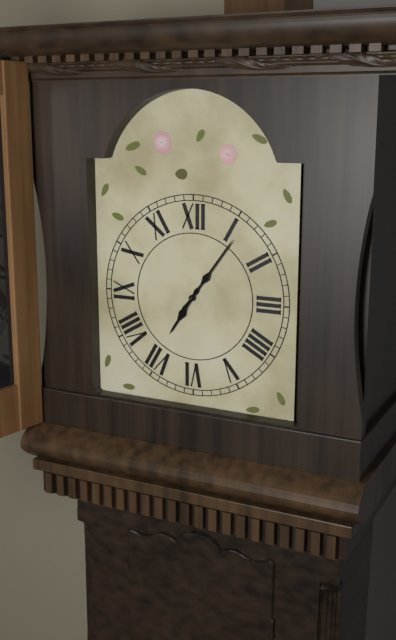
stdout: 7h06
